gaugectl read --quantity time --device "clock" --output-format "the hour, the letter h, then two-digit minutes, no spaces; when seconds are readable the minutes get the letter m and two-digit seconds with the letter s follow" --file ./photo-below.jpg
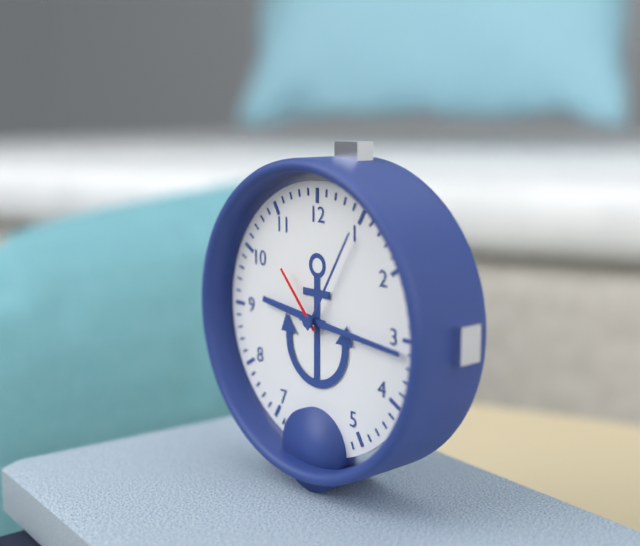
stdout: 9h16m53s
